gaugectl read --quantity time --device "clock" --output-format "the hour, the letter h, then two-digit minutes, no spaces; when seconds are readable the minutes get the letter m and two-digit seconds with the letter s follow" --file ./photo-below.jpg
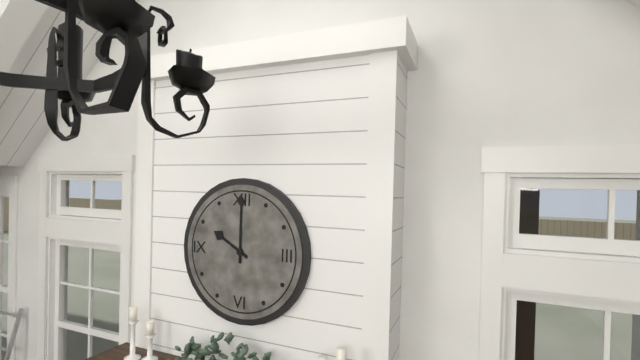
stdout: 10h00
